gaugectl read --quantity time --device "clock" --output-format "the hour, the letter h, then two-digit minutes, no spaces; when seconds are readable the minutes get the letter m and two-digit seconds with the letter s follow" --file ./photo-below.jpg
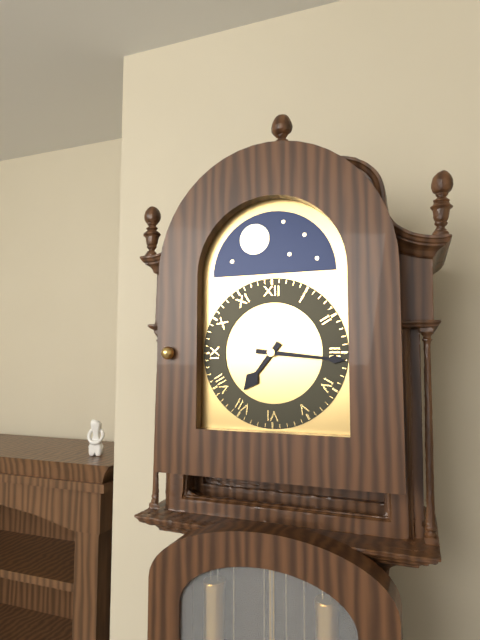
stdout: 7h16
